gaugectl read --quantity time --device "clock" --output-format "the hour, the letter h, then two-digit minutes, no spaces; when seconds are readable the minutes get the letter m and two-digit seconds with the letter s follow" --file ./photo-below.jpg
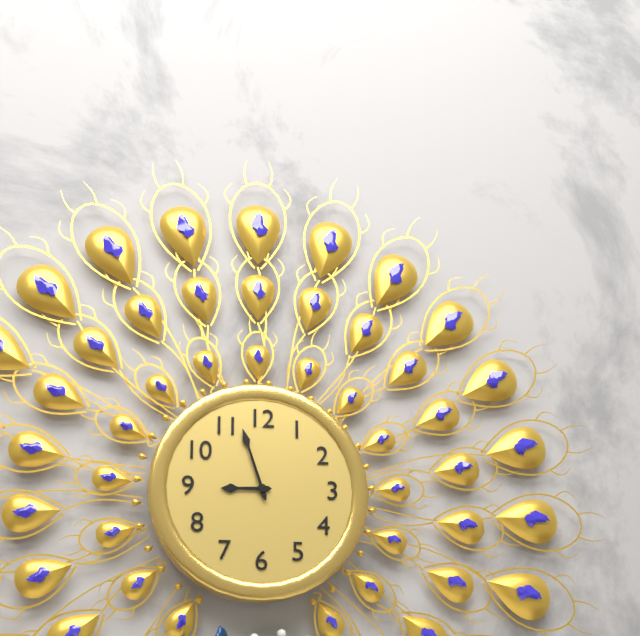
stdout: 8h57
